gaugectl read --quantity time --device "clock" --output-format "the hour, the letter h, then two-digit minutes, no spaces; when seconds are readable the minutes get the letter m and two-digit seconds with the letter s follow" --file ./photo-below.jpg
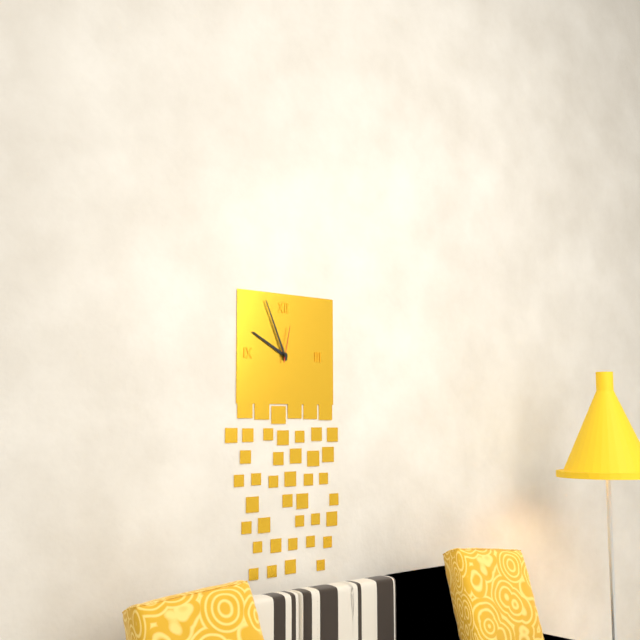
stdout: 9h56
